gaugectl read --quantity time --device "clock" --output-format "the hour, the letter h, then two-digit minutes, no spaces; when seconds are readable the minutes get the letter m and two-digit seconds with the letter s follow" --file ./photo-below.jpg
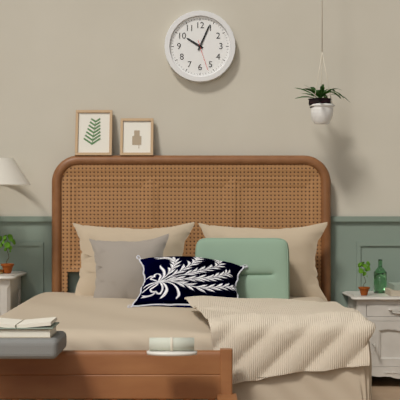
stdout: 10h04
